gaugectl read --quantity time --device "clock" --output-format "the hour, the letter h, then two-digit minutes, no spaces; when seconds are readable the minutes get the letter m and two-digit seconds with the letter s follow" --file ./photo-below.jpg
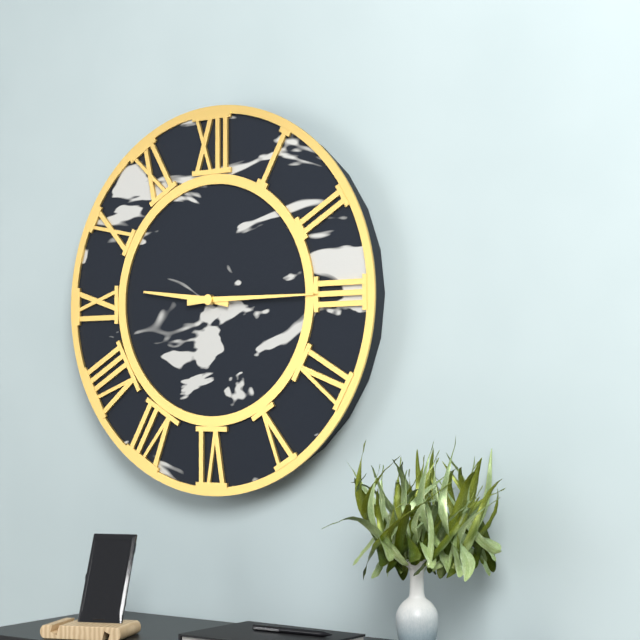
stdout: 9h15
